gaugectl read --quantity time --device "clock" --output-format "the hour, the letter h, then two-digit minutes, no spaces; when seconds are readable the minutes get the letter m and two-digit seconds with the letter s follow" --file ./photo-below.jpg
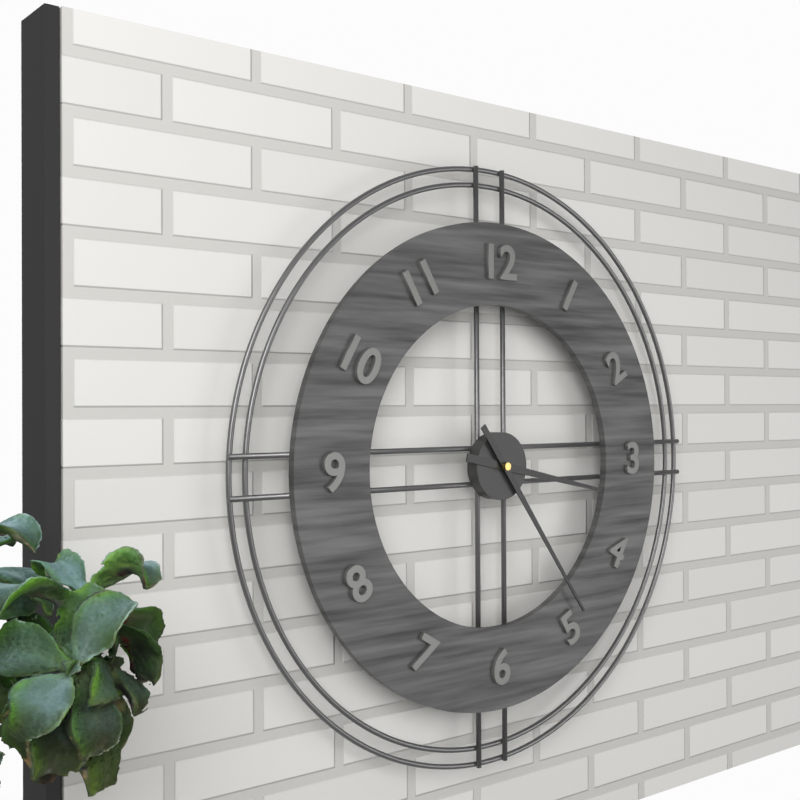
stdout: 3h24
